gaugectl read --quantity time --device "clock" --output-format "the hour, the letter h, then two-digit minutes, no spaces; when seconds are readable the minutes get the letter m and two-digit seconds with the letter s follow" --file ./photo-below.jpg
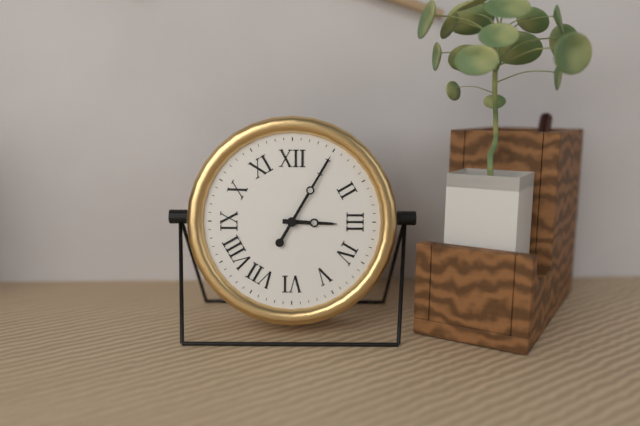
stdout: 3h05
